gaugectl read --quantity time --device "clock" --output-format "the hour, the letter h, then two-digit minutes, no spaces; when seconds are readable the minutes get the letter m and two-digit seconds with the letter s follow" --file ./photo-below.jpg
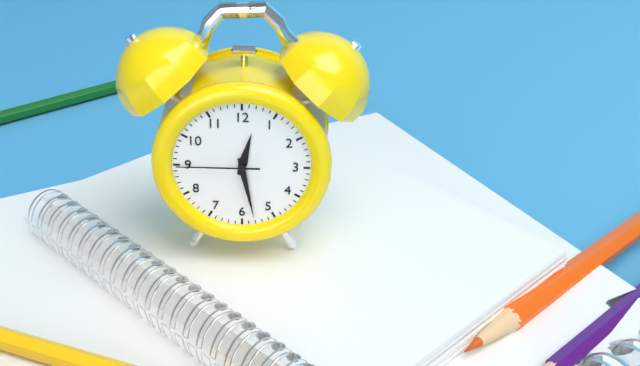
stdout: 12h28m45s
